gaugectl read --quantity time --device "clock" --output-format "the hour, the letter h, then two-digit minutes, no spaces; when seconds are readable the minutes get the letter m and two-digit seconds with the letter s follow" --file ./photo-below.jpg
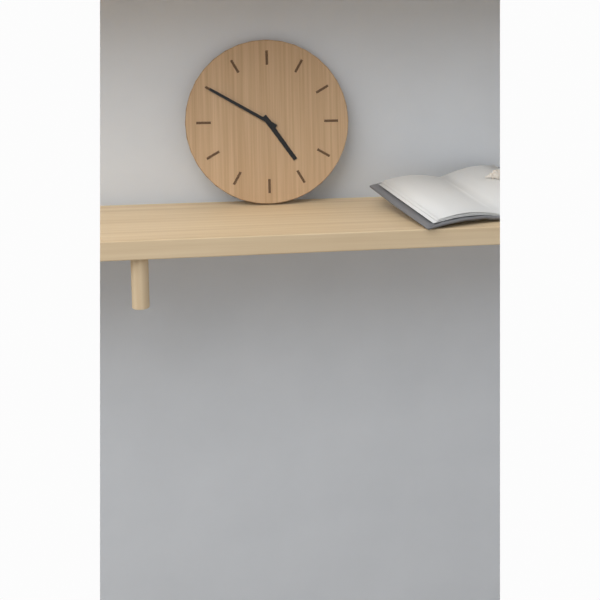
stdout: 4h50
